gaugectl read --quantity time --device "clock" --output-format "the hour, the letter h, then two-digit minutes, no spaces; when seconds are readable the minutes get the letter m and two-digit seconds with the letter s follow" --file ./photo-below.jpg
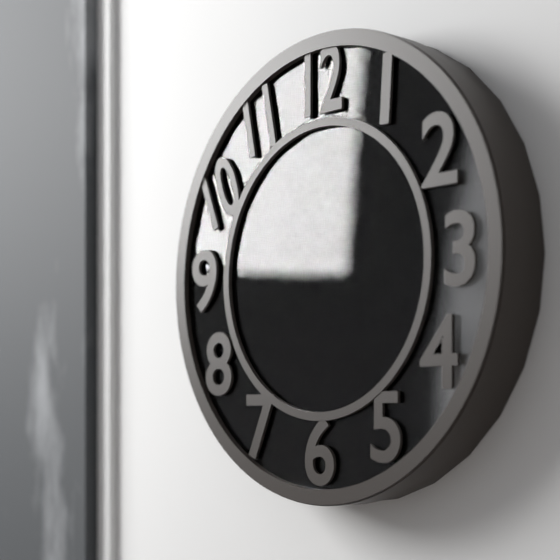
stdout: 3h28
